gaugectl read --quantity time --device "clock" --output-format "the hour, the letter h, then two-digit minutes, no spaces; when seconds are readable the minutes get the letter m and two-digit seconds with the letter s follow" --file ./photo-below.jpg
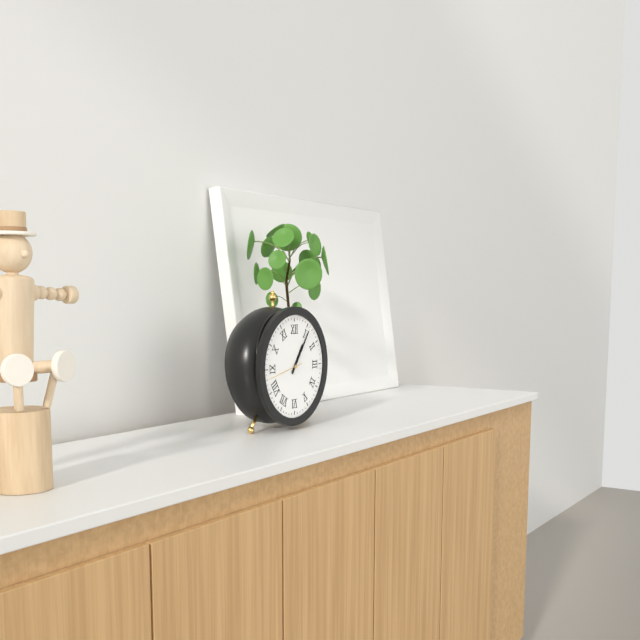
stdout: 1h06
